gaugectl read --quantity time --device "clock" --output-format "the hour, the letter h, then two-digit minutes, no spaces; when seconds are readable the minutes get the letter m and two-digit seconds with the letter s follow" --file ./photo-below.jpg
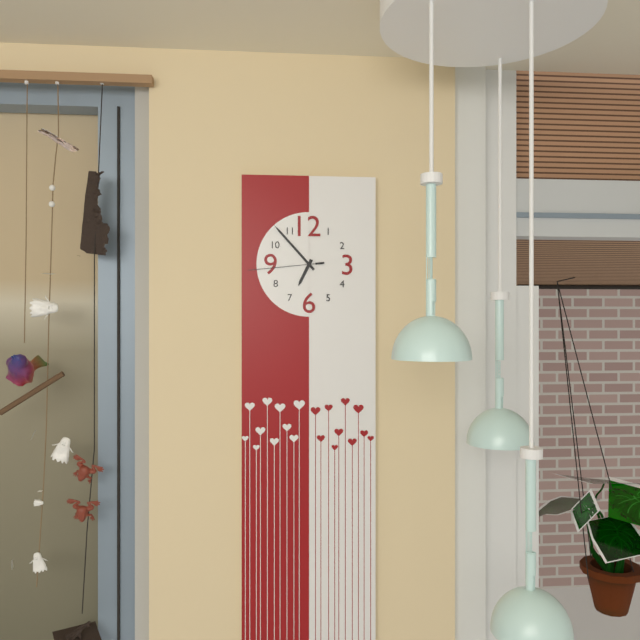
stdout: 6h53m44s
